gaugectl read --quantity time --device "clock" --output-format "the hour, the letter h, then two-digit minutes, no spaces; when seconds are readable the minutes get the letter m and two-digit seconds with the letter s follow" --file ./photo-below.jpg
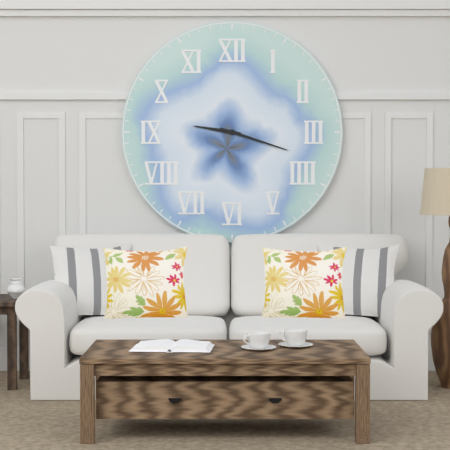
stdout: 9h18
